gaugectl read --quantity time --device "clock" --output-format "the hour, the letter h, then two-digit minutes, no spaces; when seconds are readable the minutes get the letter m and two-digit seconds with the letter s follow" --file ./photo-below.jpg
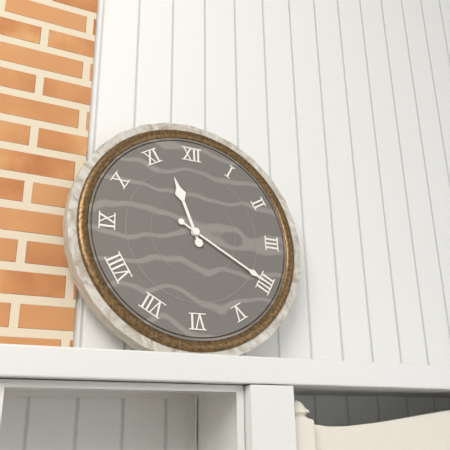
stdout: 11h20
